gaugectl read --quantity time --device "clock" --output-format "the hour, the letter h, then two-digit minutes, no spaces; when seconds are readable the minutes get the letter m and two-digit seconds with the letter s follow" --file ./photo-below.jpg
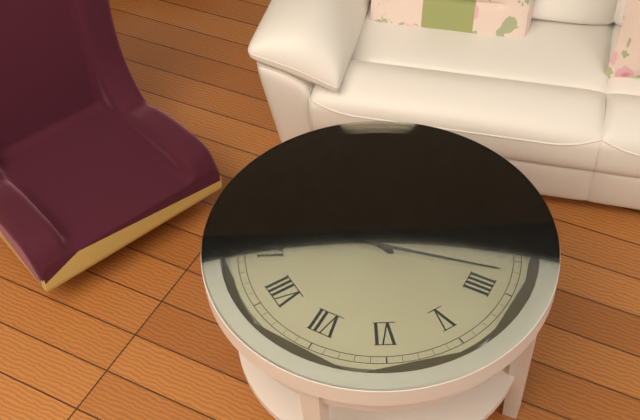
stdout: 10h18
